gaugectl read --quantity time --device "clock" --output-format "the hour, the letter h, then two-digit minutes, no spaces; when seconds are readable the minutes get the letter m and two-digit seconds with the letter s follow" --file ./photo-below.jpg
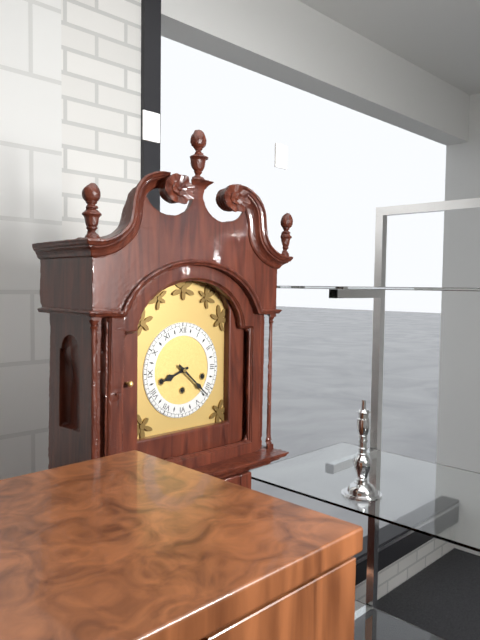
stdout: 8h22
